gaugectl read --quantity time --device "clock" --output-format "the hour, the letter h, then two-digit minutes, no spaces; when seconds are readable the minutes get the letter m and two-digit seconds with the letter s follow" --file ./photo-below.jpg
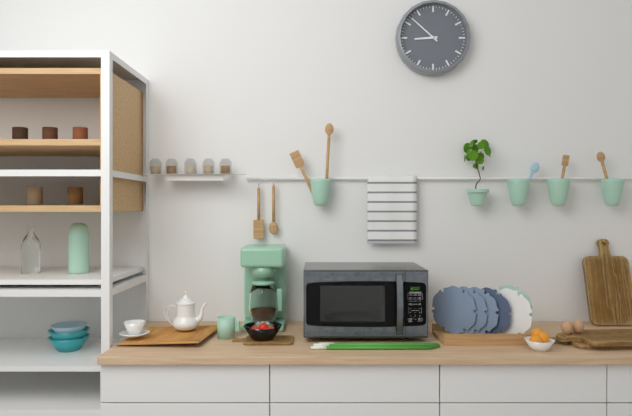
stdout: 8h52
